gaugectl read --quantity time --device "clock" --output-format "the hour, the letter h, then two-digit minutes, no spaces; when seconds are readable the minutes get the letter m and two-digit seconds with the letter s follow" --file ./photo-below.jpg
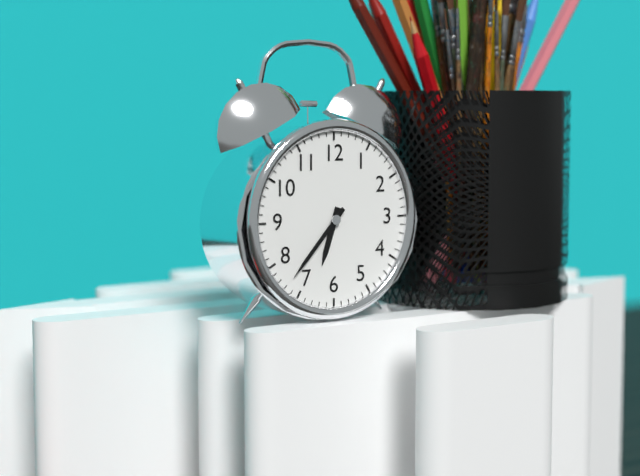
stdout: 6h37
